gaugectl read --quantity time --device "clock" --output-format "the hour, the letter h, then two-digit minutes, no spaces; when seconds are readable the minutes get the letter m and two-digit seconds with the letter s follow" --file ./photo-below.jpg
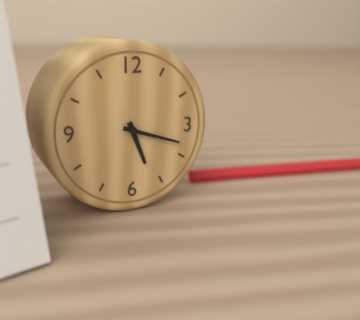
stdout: 5h18
